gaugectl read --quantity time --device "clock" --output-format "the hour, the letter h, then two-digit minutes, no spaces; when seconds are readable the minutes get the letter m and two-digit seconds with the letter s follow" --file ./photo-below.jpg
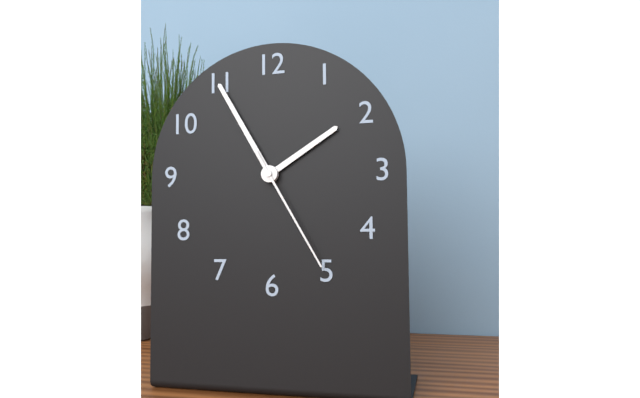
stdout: 1h55m25s
